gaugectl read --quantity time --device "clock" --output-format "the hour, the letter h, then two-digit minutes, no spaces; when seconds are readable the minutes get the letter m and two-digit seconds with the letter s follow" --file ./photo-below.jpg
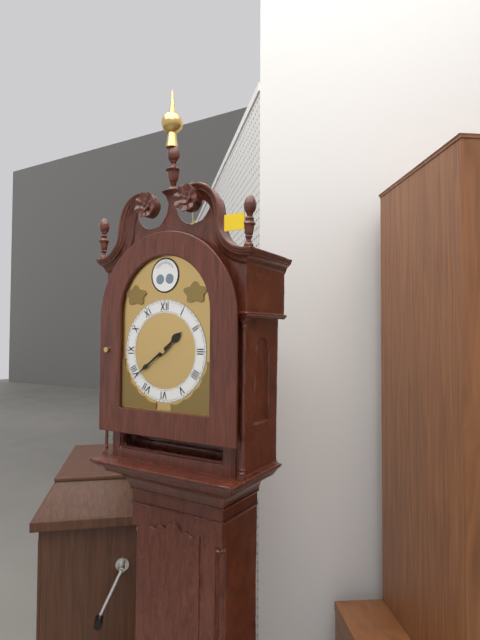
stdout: 1h39
